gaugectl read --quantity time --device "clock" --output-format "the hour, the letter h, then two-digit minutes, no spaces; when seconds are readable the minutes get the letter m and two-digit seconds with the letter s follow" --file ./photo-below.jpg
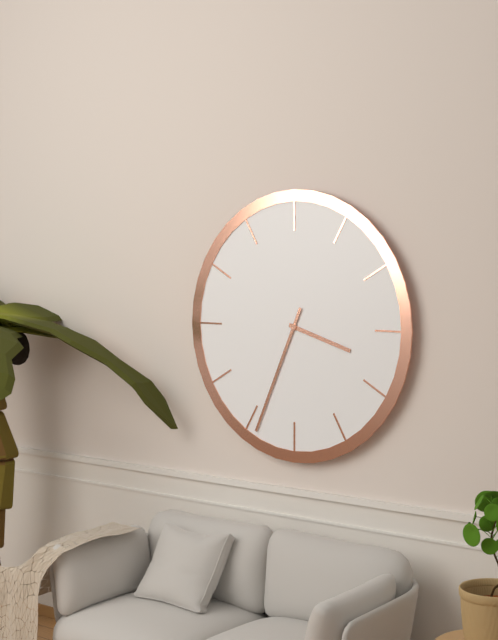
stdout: 3h34
